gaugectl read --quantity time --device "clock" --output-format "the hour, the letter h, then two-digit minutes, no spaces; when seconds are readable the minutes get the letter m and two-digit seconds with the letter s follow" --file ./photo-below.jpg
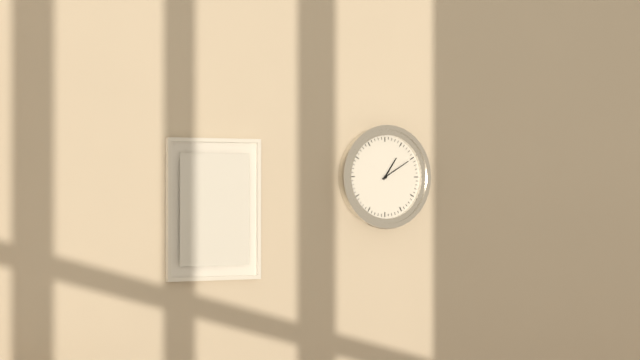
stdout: 1h10
